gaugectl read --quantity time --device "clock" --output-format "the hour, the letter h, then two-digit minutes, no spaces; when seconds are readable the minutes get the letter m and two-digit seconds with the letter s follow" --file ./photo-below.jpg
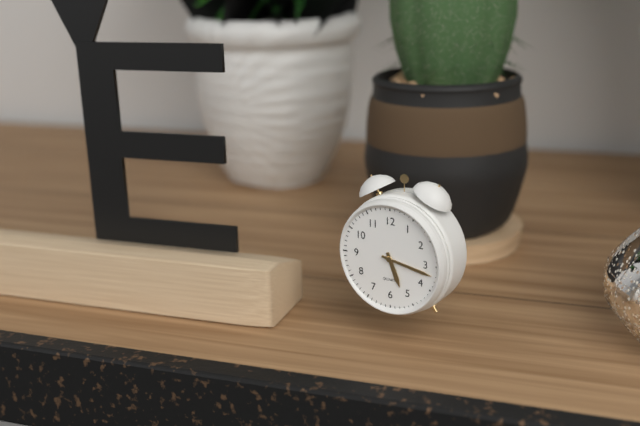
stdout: 5h17
